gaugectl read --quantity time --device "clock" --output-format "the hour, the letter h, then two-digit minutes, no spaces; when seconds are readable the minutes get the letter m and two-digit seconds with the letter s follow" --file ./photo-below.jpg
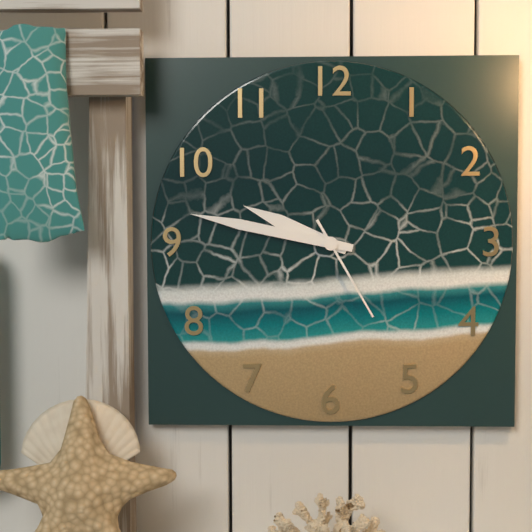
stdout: 9h47m25s
